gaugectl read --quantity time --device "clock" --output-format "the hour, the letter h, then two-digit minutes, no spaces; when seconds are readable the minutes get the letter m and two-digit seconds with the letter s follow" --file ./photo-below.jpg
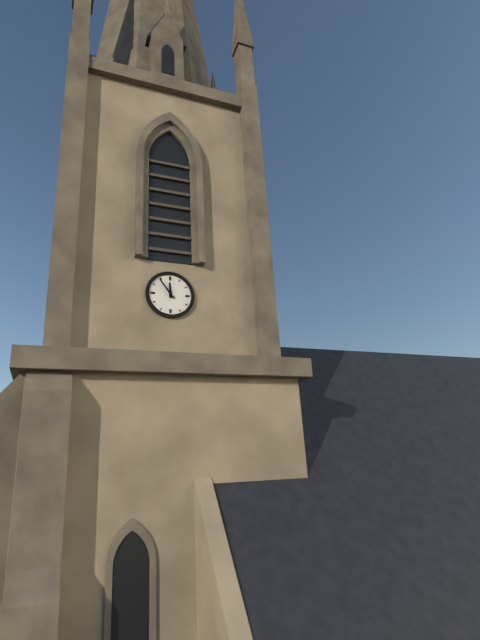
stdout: 11h54
